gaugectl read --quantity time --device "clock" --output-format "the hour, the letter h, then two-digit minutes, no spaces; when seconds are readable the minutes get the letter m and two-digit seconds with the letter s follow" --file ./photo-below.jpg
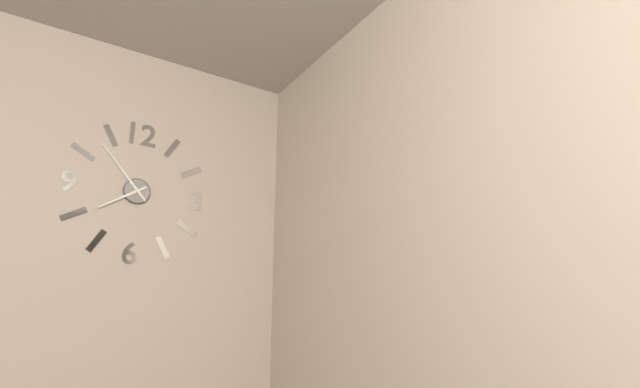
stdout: 7h53
